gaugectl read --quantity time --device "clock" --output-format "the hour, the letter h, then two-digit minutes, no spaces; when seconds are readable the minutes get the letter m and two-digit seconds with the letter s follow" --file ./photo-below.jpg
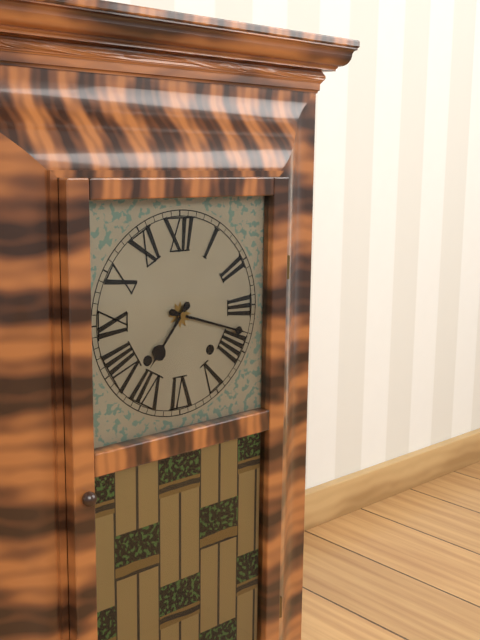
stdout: 7h18
